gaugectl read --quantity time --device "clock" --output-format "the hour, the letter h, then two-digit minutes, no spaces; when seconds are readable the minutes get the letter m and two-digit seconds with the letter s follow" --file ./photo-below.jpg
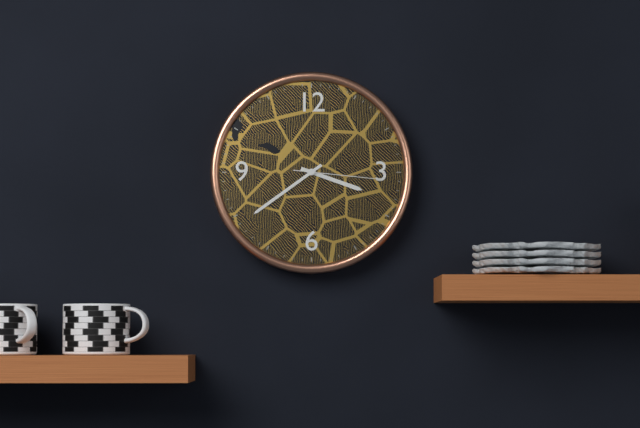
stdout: 3h39m16s
